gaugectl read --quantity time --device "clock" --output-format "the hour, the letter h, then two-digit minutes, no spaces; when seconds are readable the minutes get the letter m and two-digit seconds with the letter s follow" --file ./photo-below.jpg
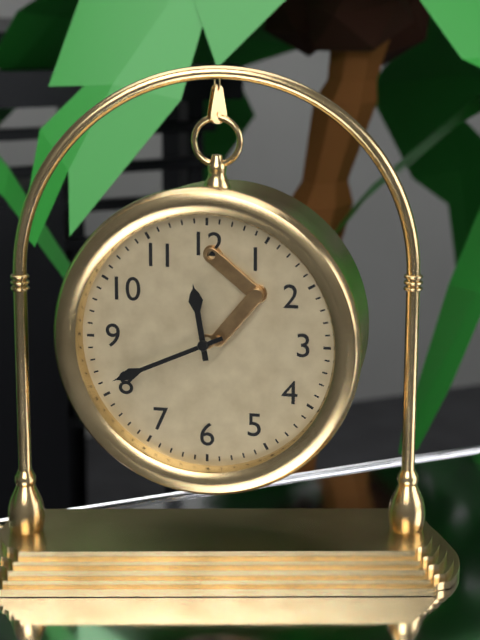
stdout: 11h41
